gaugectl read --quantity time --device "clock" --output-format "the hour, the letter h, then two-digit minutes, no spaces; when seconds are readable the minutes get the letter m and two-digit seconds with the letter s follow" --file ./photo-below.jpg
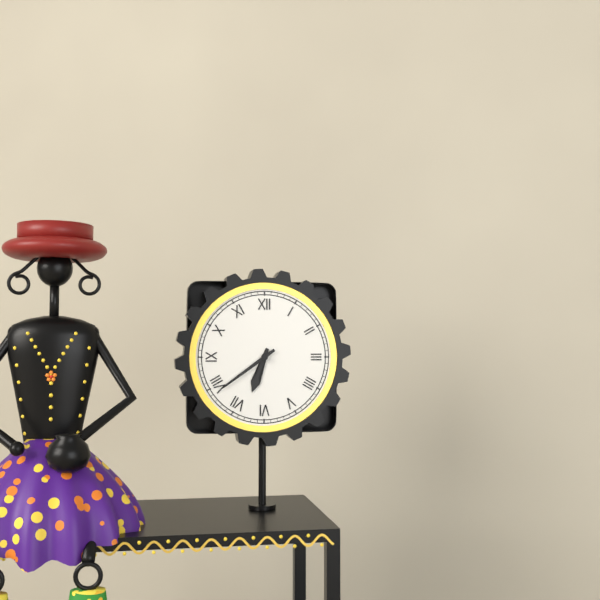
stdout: 6h39
